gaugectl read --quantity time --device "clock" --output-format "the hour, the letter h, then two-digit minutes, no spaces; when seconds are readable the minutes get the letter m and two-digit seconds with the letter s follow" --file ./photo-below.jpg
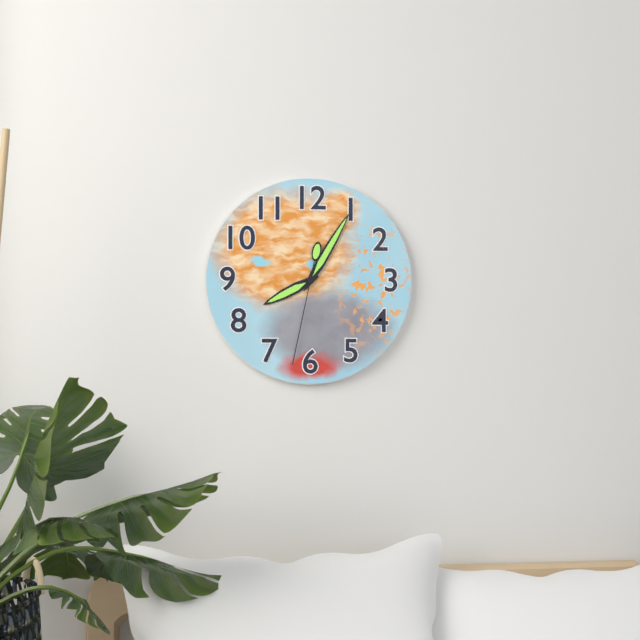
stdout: 8h05m32s
